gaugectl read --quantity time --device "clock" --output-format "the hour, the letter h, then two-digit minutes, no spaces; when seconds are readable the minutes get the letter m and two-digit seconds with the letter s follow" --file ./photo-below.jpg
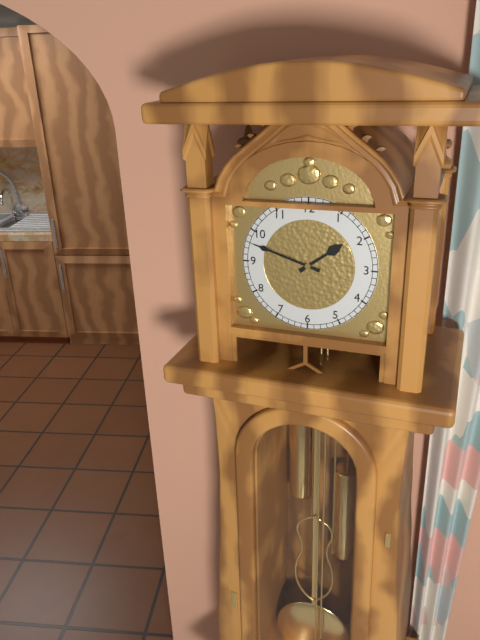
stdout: 1h48
